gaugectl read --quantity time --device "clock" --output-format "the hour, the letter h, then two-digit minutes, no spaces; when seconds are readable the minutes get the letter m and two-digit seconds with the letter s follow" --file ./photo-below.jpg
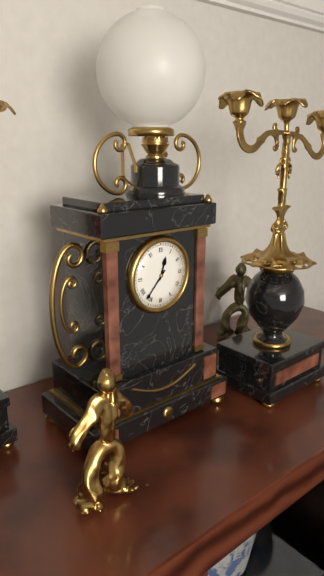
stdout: 12h37
